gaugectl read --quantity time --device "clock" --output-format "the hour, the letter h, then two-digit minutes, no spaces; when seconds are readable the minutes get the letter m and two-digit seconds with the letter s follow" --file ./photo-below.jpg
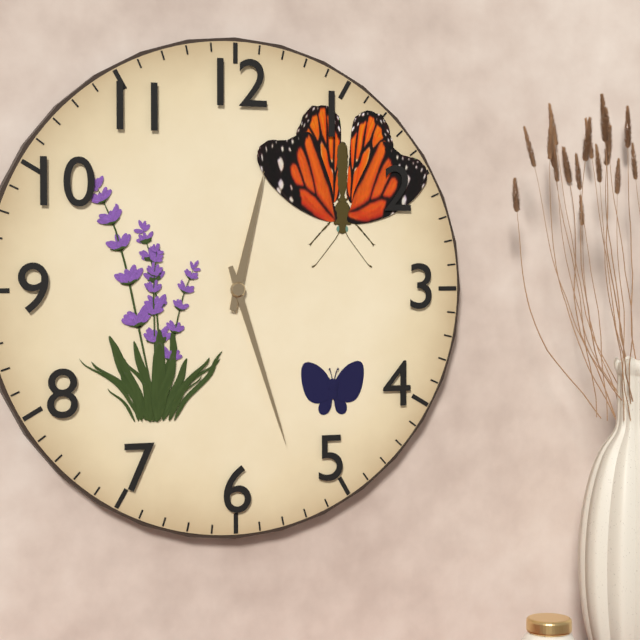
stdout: 12h27
